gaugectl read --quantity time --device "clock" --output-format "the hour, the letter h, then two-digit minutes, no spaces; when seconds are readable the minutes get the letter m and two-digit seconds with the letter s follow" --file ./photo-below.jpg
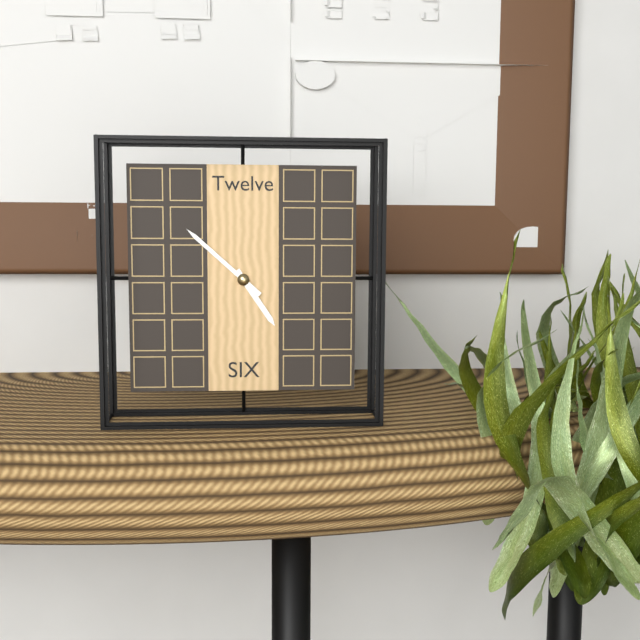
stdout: 4h52
